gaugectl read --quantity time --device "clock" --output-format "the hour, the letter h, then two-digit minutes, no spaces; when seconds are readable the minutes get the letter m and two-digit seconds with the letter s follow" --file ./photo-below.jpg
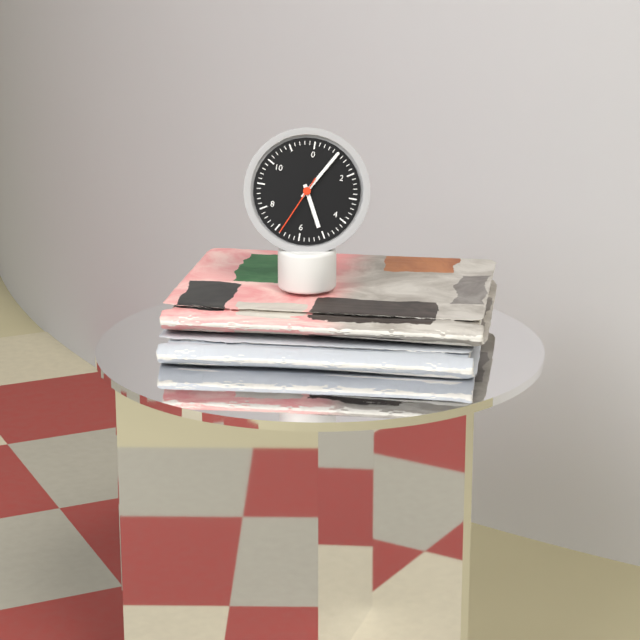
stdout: 5h05m34s
